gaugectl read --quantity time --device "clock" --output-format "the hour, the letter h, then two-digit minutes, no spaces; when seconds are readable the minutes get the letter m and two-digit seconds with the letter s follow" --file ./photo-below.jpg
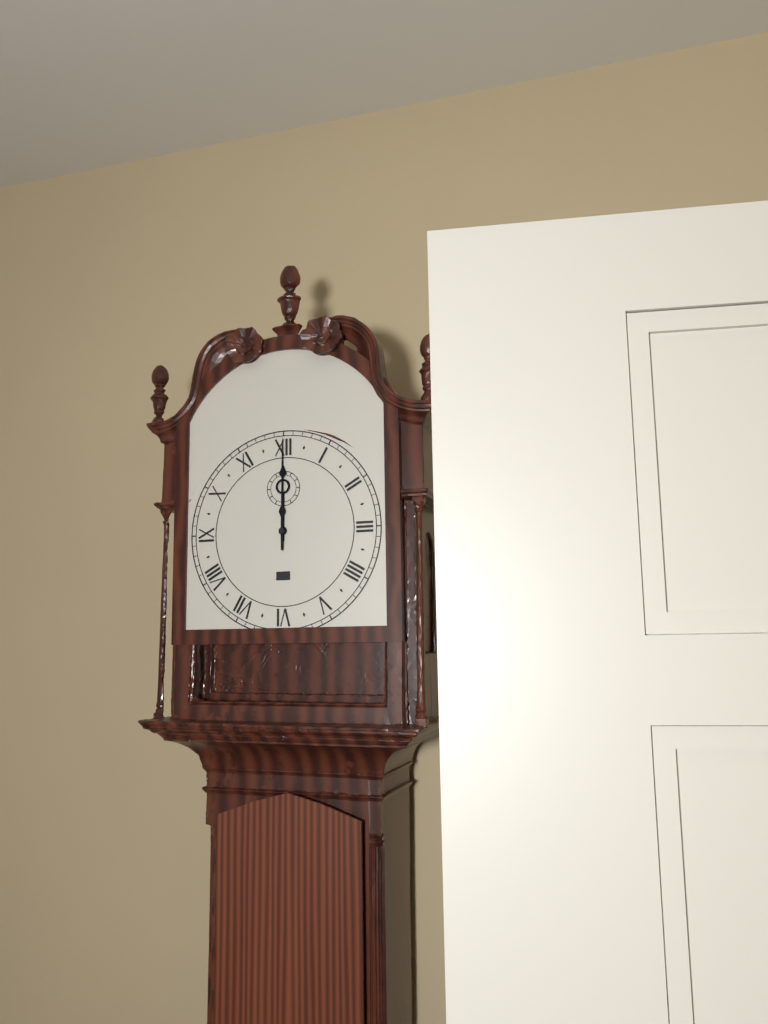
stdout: 12h00
